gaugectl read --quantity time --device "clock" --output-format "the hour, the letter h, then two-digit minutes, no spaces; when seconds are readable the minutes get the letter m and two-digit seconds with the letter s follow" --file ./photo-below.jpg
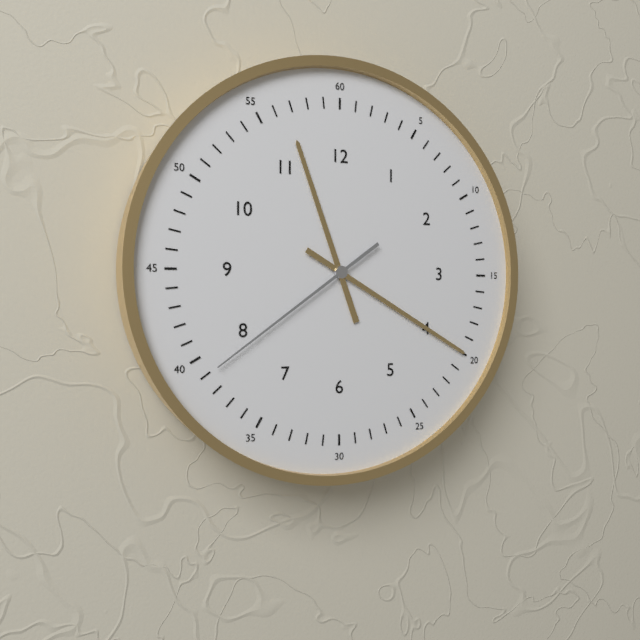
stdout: 11h20m39s
